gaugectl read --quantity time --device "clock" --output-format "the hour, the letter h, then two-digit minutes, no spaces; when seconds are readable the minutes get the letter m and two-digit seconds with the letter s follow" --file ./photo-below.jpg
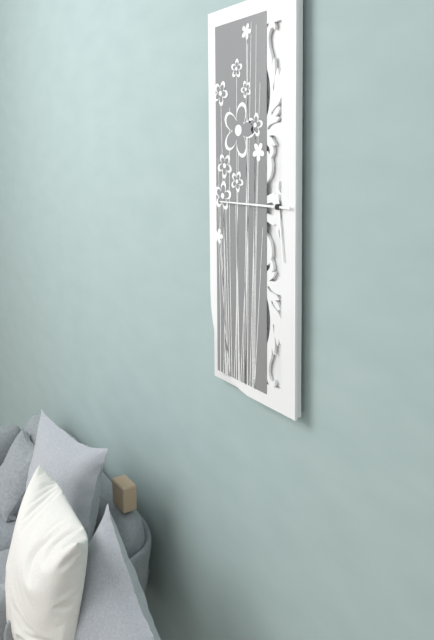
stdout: 5h45
